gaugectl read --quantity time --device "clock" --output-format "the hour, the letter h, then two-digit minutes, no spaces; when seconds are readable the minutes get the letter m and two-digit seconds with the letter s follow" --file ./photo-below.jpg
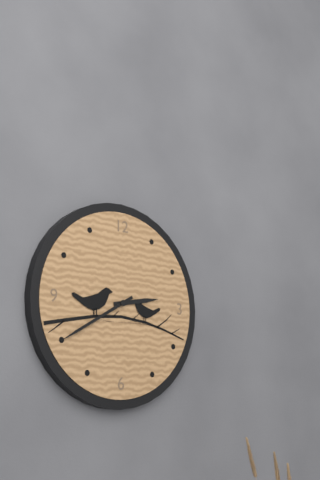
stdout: 2h40
